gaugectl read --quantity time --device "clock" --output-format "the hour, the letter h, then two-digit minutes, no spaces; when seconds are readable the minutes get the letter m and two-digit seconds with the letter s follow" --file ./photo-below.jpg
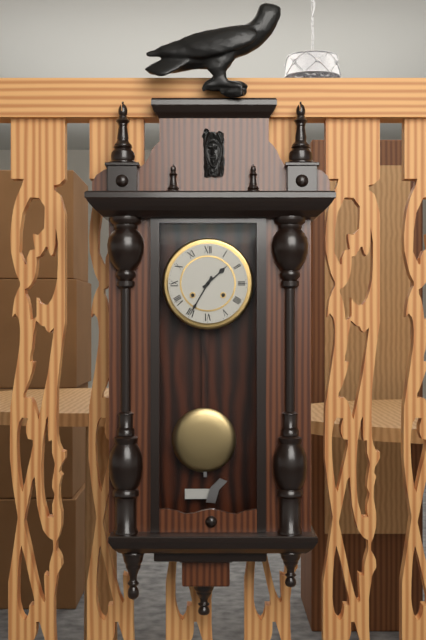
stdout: 1h35
